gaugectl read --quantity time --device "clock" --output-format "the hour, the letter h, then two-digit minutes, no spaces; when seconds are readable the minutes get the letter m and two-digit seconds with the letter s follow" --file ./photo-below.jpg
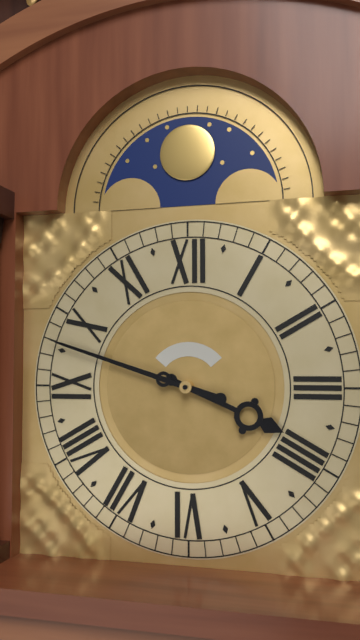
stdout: 3h48
